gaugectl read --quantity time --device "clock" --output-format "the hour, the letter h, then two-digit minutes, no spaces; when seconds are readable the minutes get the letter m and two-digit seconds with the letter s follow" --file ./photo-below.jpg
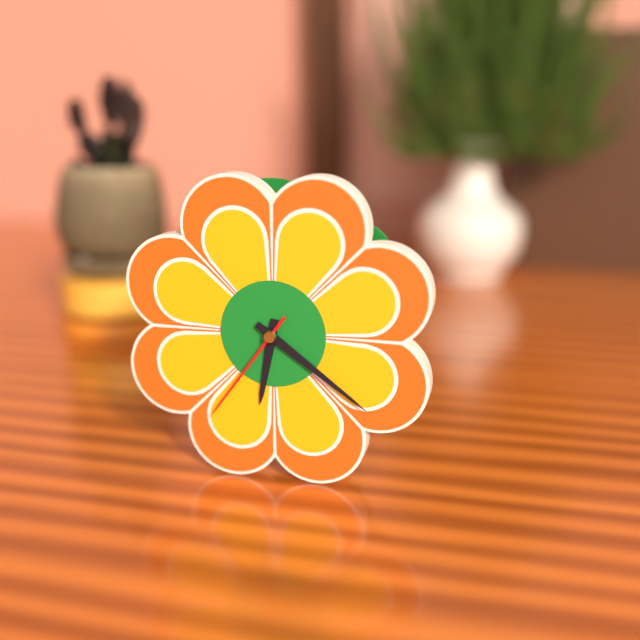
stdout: 6h21m36s
